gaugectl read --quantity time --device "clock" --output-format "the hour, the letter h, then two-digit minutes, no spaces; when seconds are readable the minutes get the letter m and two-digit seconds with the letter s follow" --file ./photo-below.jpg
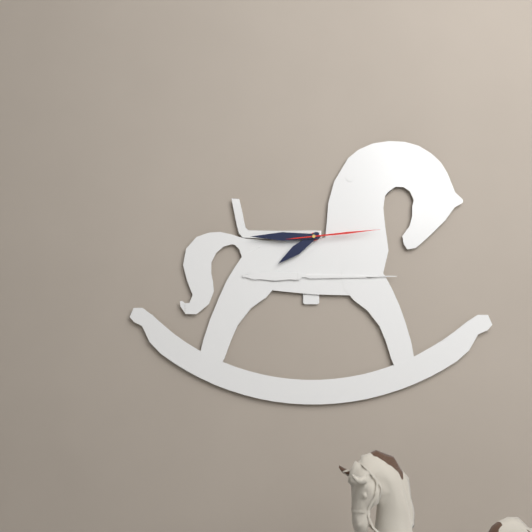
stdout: 7h45m14s
